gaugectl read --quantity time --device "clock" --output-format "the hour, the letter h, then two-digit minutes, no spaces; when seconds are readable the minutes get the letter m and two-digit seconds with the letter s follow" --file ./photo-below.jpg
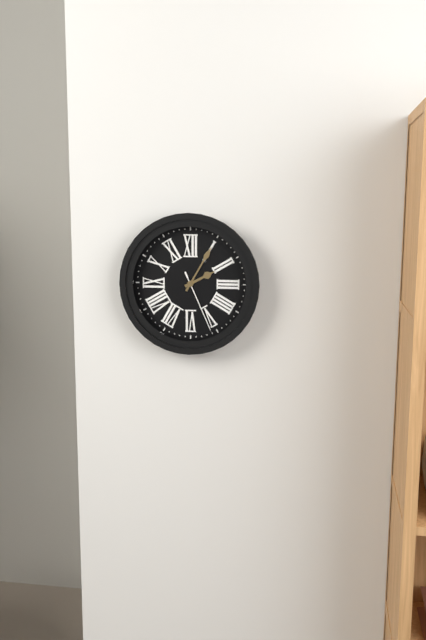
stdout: 2h05m26s
